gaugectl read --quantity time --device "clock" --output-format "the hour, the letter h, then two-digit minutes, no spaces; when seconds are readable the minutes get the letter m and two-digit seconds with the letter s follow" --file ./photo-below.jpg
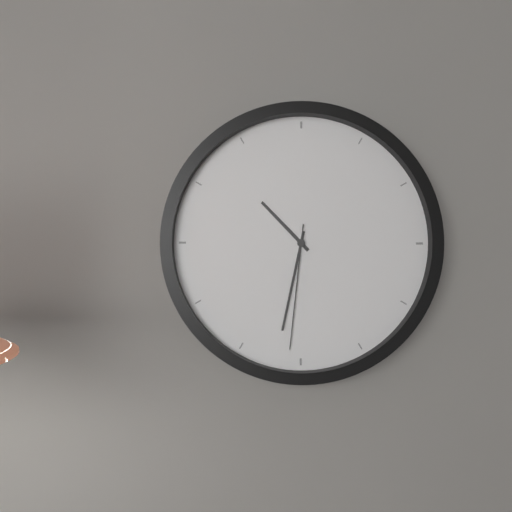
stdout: 10h32m31s
